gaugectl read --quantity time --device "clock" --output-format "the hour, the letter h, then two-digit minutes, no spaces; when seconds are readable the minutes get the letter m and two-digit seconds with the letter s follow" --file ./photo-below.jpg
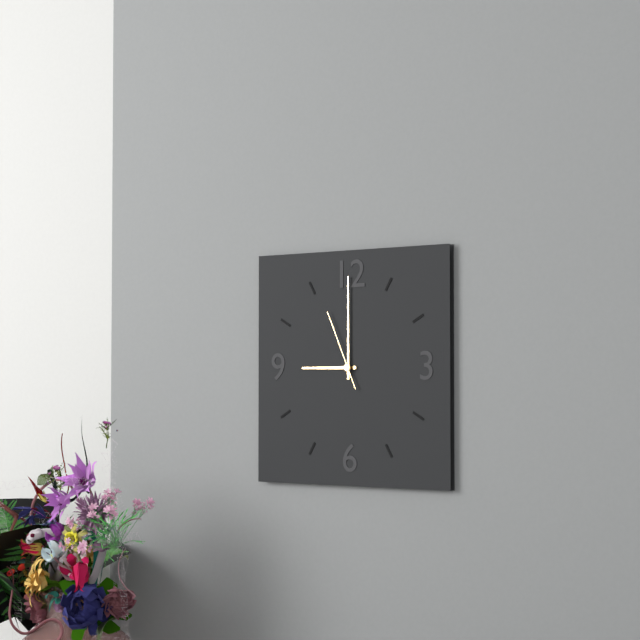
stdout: 9h00m56s
